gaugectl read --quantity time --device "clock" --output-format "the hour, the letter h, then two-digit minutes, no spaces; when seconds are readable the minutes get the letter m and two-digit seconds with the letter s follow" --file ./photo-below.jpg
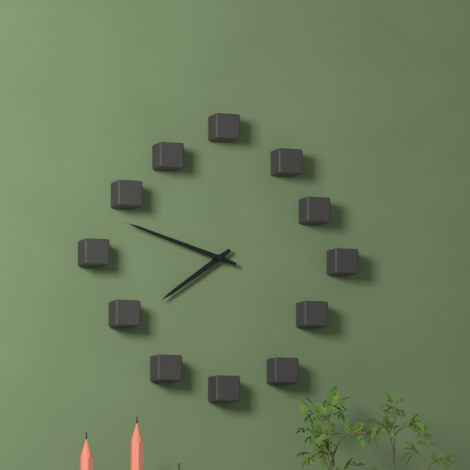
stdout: 7h48
